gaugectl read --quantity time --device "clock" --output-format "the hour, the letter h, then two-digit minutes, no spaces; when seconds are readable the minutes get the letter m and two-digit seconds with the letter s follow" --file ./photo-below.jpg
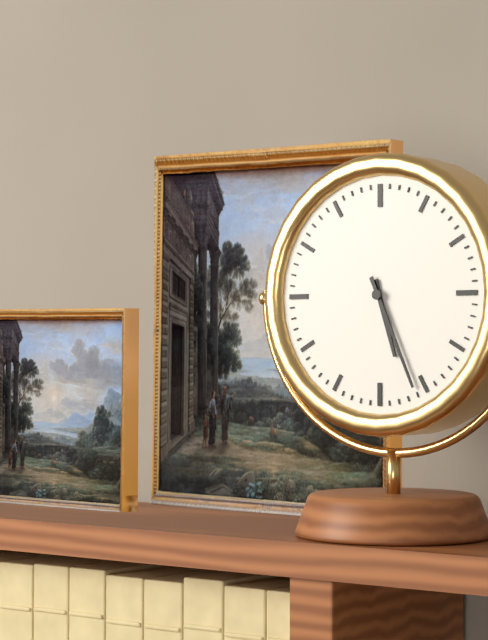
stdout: 5h26
